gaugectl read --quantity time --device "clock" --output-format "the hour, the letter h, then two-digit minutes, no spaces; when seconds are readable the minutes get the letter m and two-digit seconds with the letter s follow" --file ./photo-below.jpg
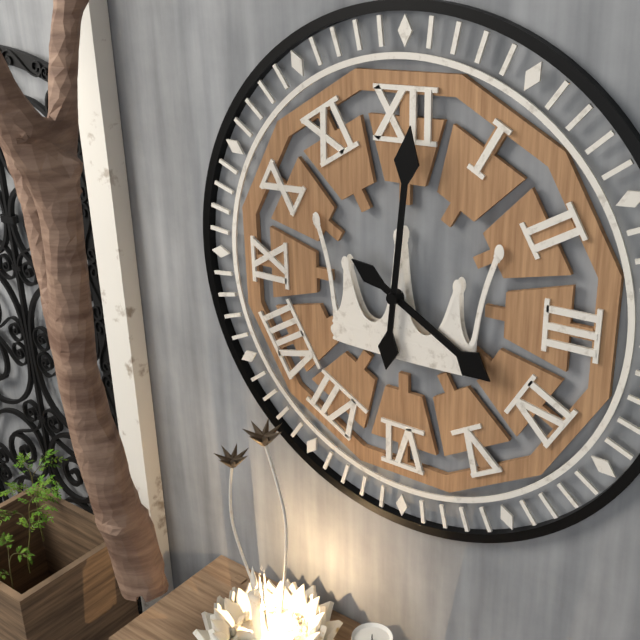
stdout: 4h01
